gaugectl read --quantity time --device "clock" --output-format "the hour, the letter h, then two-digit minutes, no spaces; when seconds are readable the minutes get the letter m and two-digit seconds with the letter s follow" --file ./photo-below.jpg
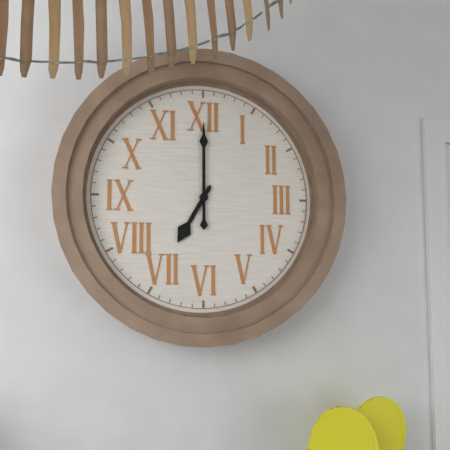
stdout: 7h00
